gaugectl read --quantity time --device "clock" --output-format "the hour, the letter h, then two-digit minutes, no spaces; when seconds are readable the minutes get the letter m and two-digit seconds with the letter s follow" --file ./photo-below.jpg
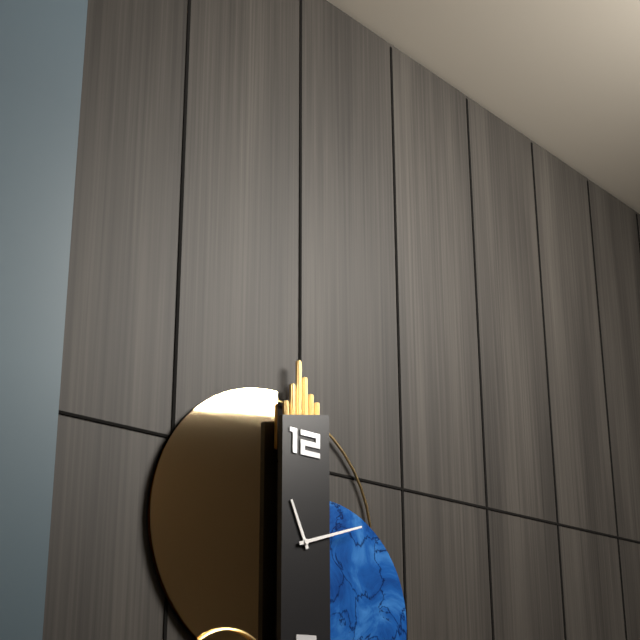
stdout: 11h12
